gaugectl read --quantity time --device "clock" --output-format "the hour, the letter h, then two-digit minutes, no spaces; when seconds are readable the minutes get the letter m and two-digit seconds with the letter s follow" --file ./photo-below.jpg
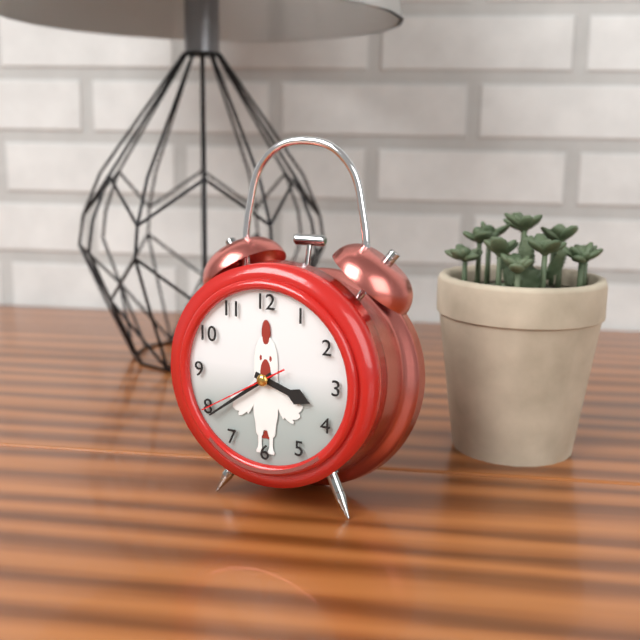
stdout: 3h39m40s
